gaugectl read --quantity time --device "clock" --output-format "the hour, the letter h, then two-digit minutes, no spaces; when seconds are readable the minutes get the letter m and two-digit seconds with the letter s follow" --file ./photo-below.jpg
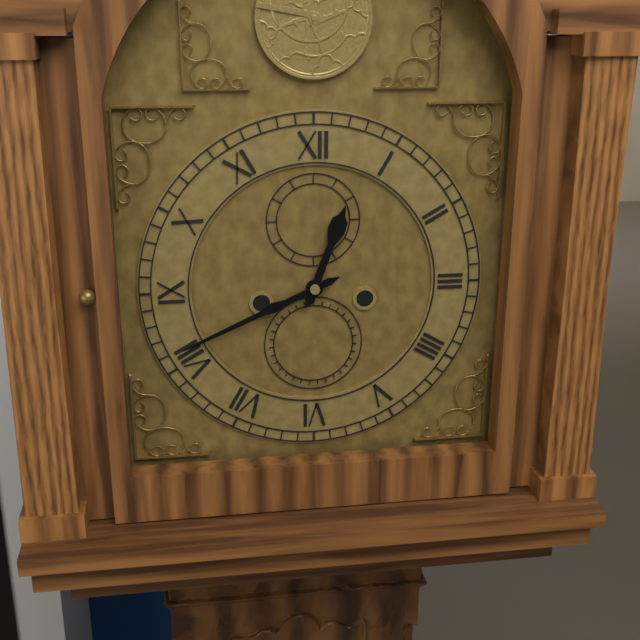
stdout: 12h41
